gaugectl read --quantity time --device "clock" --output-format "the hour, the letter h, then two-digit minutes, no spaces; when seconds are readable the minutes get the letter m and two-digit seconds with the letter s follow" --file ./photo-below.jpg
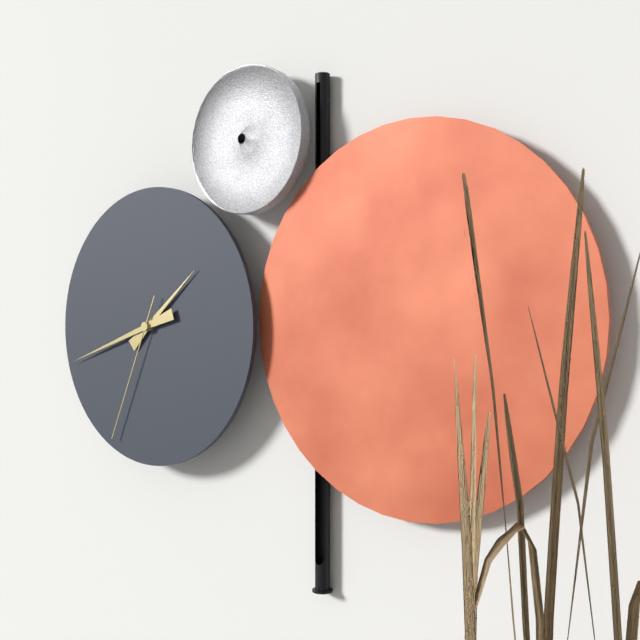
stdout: 1h42m34s
